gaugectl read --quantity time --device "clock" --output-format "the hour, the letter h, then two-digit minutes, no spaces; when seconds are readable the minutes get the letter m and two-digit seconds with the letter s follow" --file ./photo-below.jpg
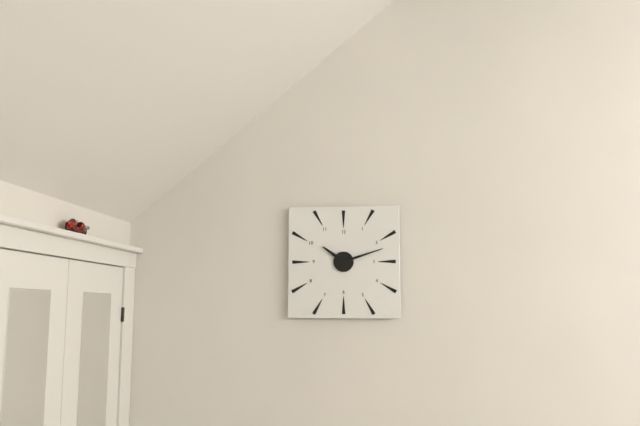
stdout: 10h12
